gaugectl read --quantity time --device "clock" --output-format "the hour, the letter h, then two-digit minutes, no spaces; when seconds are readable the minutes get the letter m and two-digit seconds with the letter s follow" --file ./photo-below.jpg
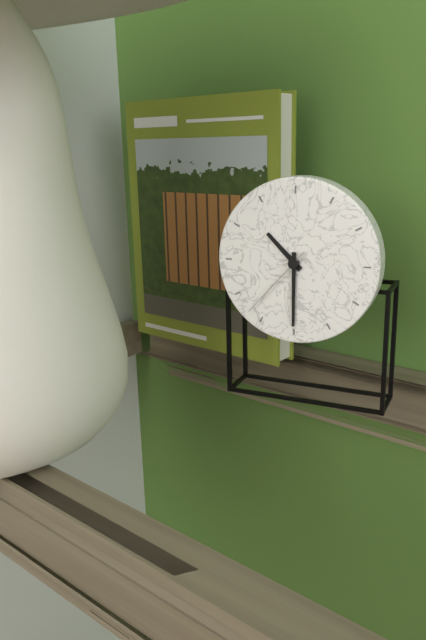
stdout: 10h30m37s
